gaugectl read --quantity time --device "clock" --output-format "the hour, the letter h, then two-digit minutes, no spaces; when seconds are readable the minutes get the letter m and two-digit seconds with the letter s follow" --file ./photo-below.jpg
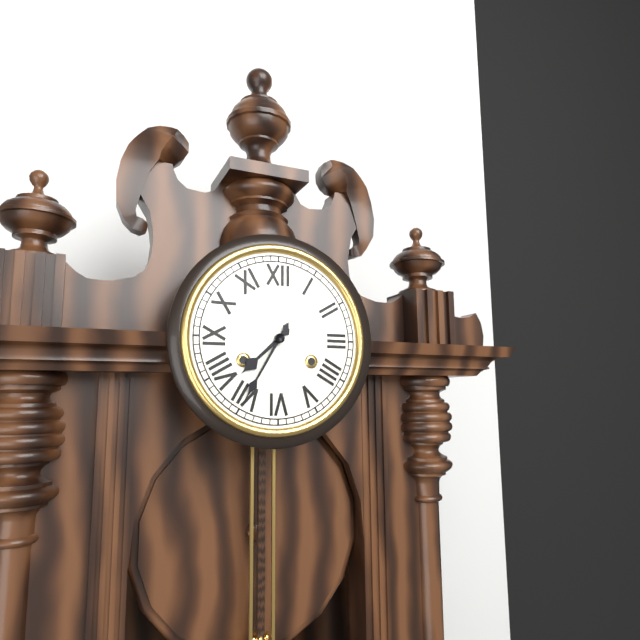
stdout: 7h35
